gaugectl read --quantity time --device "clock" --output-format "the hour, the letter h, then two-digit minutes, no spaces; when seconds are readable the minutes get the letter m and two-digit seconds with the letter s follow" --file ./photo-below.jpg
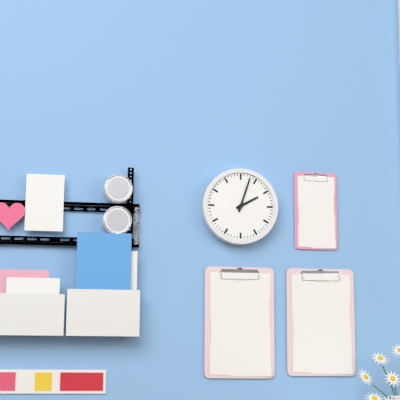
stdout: 2h03
